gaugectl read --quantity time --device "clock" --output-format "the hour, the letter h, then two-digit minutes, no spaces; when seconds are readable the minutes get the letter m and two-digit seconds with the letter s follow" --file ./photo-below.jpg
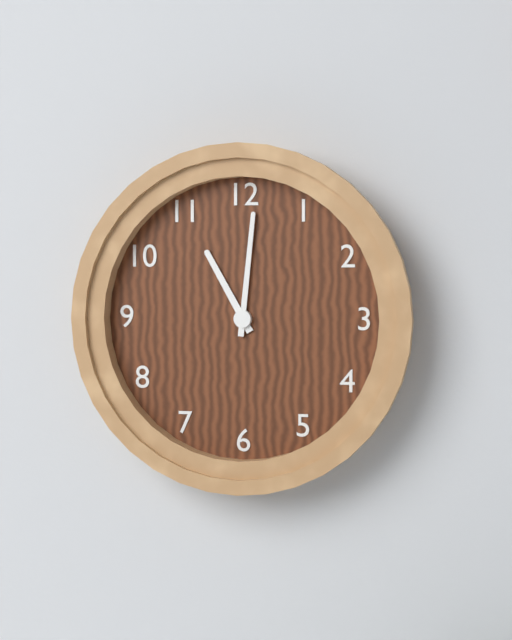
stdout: 11h01
